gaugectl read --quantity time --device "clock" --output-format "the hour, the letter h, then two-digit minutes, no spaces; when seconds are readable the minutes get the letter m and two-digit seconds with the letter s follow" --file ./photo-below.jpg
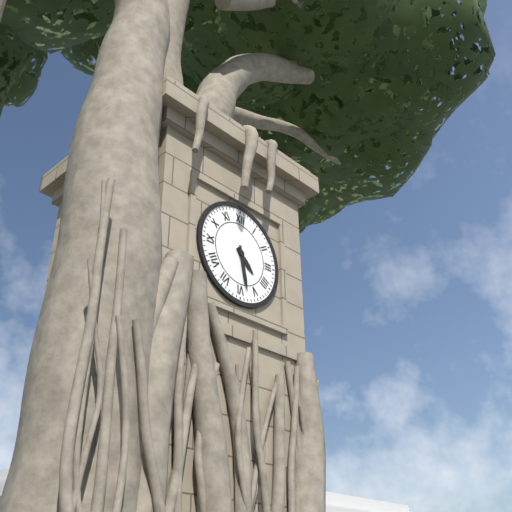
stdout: 4h28
